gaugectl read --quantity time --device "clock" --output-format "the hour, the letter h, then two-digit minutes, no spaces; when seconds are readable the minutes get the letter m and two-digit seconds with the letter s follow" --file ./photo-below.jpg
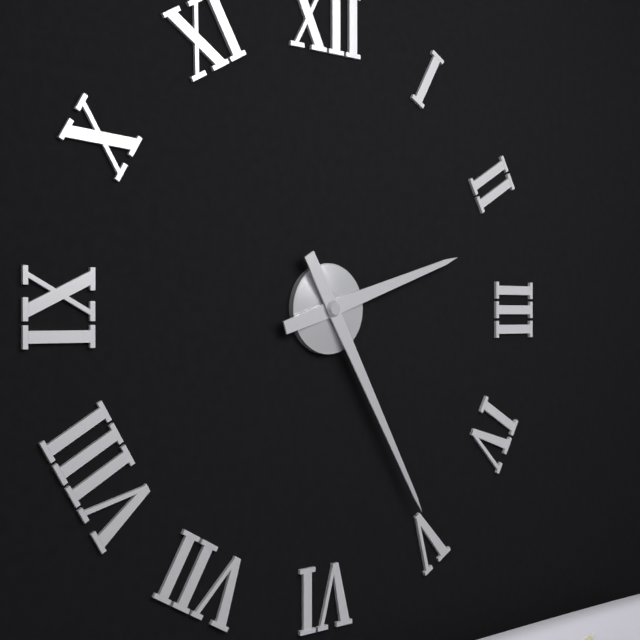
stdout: 2h25
